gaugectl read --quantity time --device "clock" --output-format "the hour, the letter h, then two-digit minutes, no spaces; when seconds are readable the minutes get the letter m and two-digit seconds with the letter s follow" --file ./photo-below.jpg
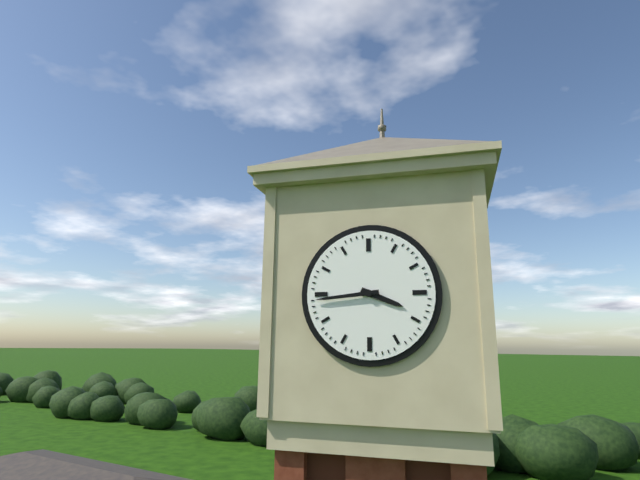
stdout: 3h44
